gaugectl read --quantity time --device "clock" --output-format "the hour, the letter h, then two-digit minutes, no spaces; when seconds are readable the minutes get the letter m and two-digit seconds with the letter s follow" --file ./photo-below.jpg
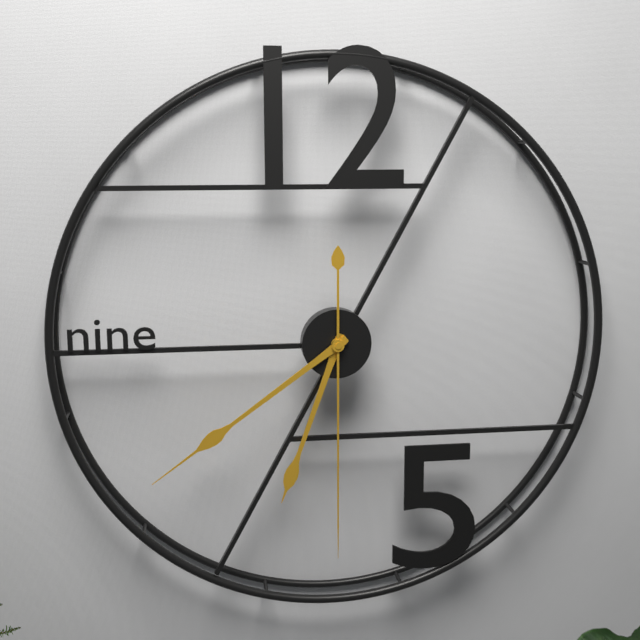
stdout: 6h39m30s
